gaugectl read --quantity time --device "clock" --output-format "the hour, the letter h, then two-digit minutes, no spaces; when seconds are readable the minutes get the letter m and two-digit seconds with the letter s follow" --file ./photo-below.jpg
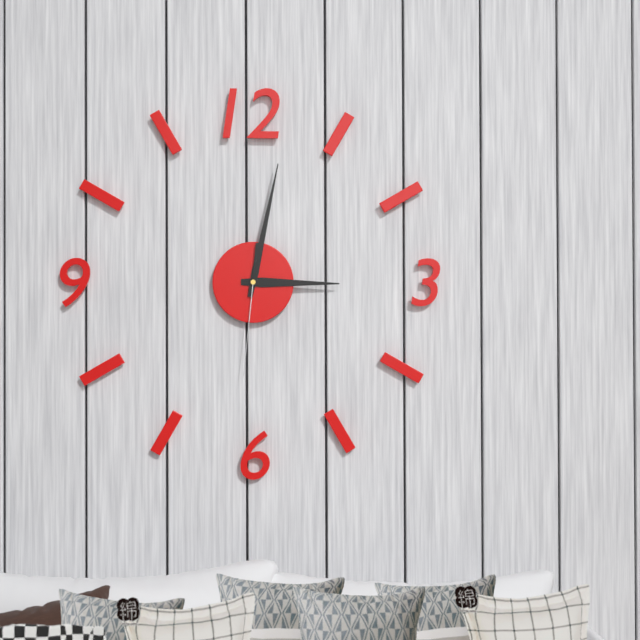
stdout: 3h02m31s
